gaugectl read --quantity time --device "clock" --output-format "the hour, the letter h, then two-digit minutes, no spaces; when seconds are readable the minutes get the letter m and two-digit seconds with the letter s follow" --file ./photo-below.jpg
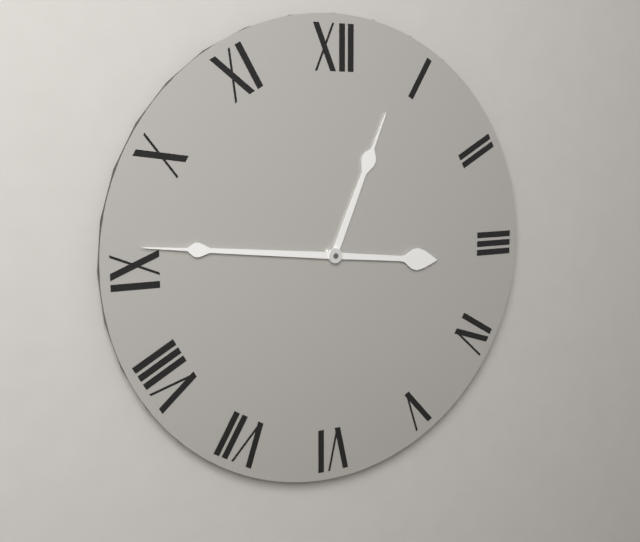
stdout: 12h46
